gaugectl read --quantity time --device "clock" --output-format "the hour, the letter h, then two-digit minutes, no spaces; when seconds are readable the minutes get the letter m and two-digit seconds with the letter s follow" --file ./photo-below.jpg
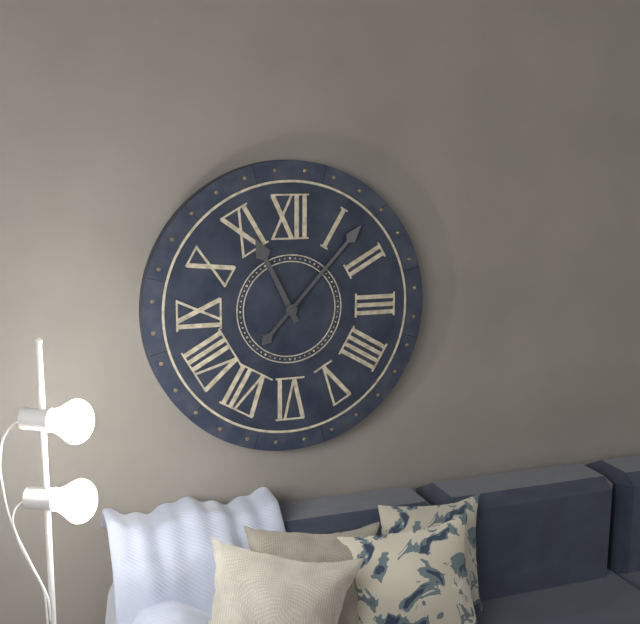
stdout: 11h07
